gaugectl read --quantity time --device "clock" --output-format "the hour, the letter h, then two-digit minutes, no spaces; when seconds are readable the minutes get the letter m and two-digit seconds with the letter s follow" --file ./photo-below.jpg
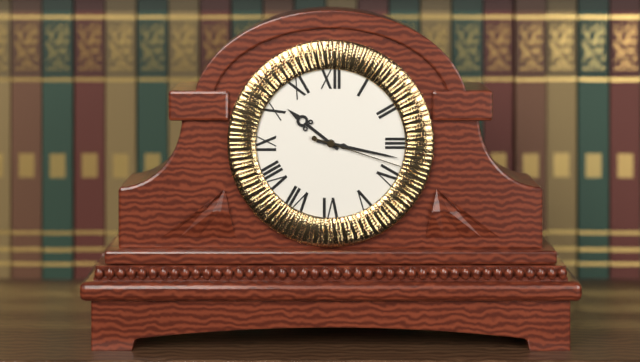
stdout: 10h17m18s
